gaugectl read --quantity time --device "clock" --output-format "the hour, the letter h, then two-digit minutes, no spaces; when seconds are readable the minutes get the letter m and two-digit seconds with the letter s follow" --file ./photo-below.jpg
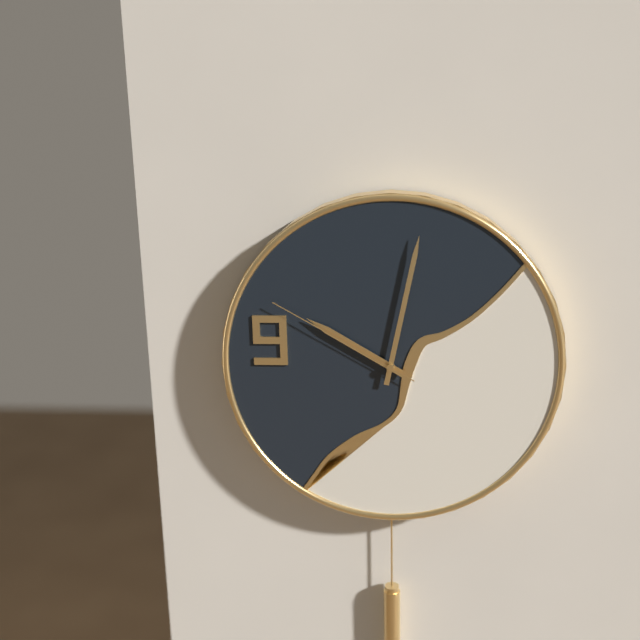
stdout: 10h02m50s
